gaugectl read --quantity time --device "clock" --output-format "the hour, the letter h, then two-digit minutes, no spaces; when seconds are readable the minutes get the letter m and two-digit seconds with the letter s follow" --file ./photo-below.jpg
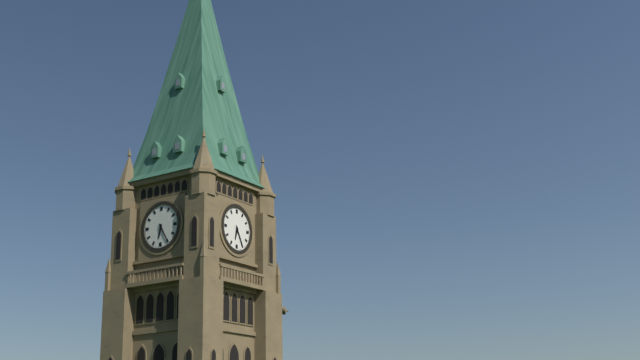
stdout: 6h25
